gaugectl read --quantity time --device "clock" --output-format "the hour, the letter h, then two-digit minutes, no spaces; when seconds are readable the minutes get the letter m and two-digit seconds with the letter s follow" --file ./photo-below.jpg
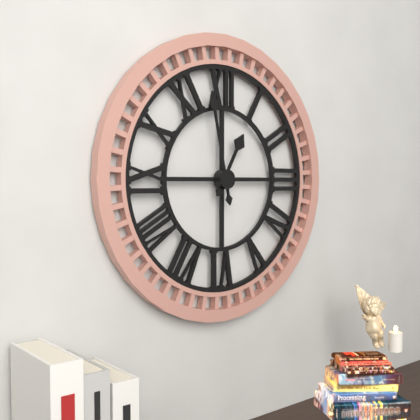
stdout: 12h58
